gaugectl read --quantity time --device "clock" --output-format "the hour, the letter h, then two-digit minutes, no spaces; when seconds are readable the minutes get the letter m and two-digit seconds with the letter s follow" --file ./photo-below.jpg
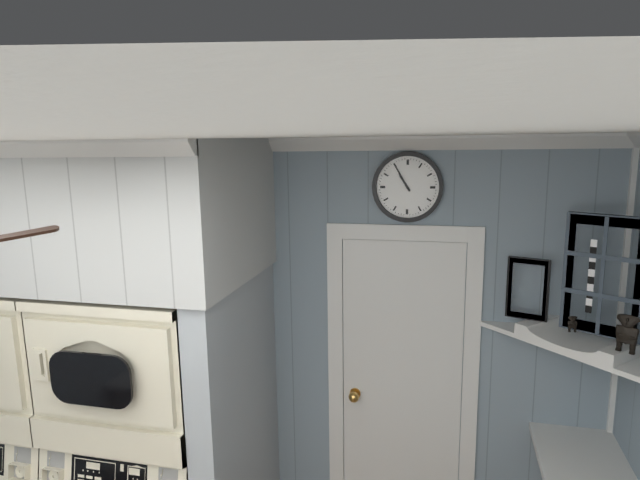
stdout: 10h55
